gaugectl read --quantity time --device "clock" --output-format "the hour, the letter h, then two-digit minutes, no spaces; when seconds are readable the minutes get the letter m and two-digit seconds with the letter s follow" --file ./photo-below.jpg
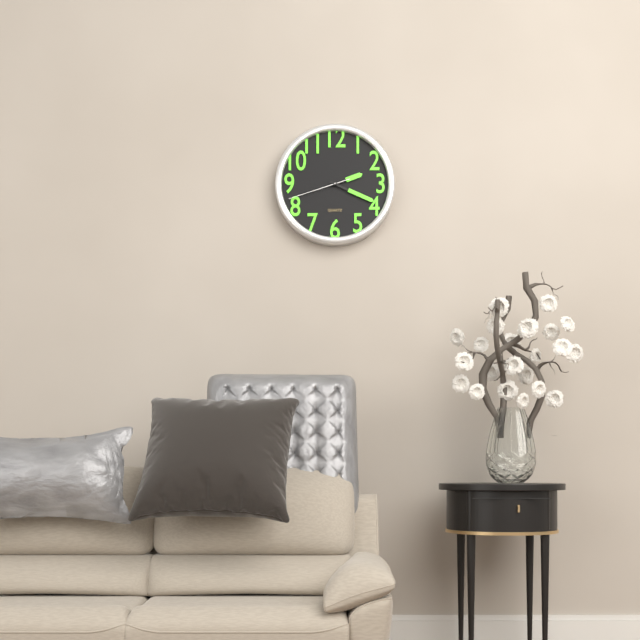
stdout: 2h19m42s
